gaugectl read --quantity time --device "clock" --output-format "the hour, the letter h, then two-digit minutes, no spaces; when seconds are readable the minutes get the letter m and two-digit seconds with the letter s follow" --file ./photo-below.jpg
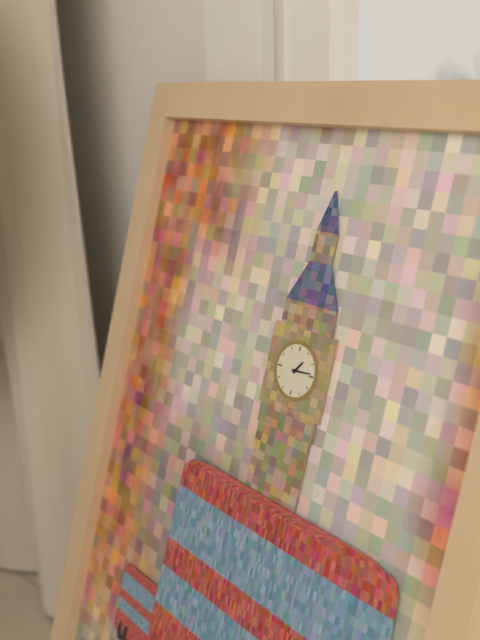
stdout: 1h14
